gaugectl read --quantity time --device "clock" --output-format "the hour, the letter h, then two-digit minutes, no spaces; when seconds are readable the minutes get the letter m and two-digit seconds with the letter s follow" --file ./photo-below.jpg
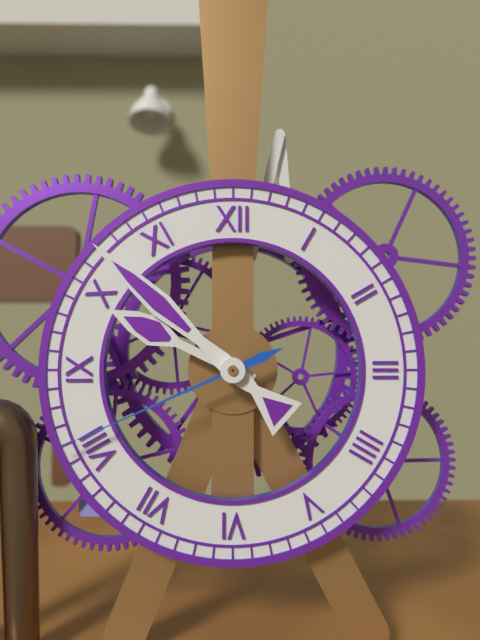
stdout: 9h52m41s
